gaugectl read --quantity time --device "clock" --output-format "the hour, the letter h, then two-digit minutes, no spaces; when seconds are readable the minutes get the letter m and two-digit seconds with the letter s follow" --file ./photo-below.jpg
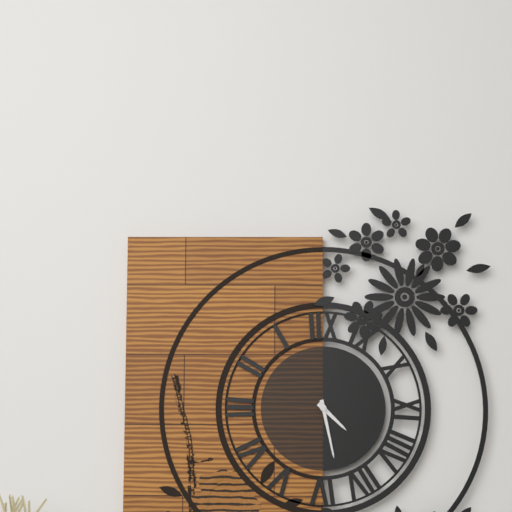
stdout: 4h28
